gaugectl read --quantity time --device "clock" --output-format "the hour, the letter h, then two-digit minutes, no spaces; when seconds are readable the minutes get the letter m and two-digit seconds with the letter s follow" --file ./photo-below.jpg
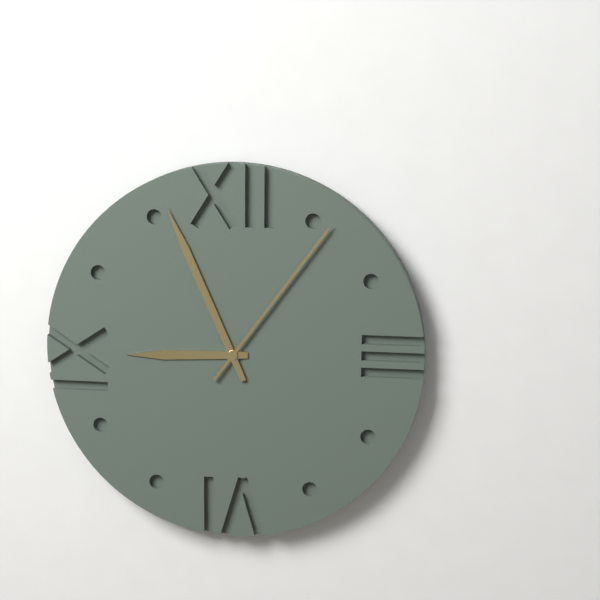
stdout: 8h56m06s
